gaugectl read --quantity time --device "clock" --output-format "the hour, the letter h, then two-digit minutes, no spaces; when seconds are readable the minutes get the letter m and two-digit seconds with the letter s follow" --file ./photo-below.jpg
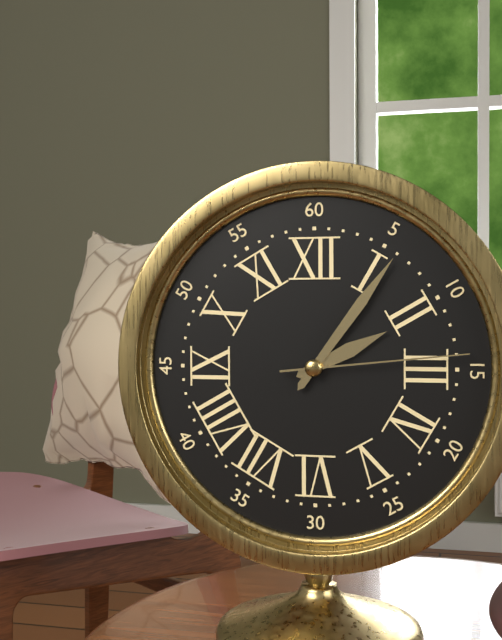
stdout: 2h06m14s
